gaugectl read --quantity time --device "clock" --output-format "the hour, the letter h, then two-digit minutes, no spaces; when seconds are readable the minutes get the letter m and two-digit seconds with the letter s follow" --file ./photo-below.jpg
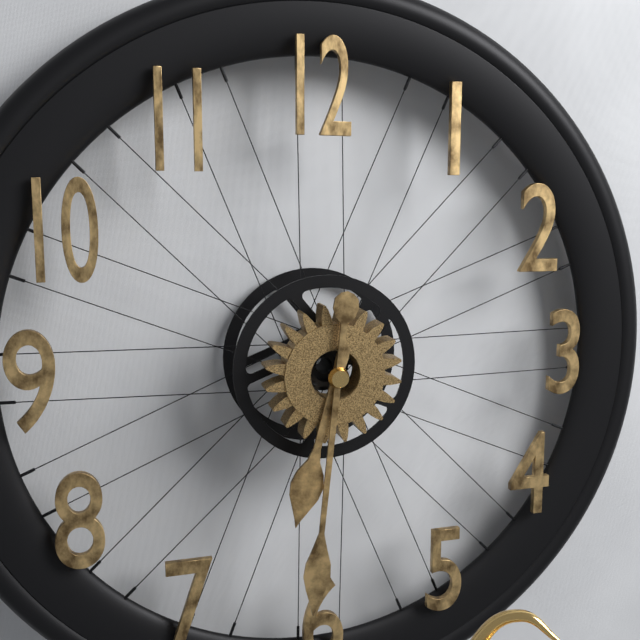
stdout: 6h31
